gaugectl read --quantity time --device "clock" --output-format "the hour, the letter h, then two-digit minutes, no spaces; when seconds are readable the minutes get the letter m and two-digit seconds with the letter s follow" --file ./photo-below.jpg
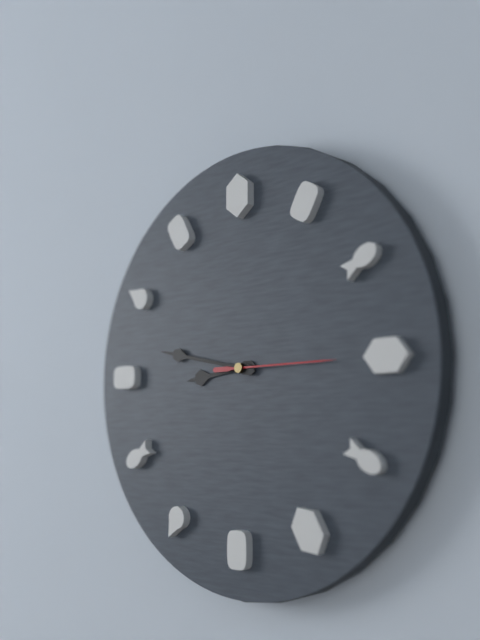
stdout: 8h47m15s
